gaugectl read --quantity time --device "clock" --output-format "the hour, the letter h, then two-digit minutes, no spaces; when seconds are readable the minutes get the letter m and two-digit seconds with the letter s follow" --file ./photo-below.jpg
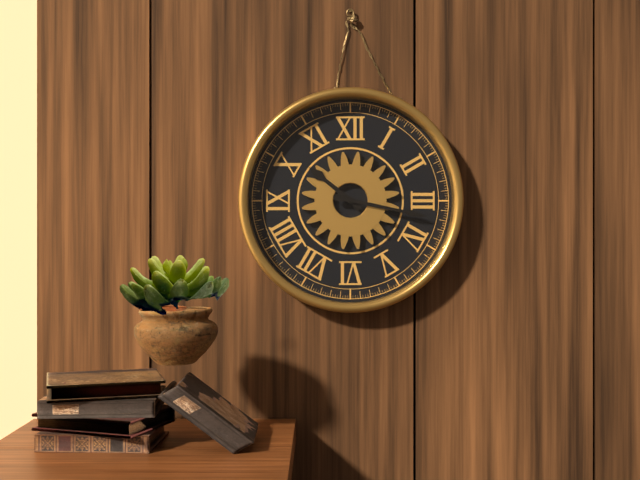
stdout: 10h17
